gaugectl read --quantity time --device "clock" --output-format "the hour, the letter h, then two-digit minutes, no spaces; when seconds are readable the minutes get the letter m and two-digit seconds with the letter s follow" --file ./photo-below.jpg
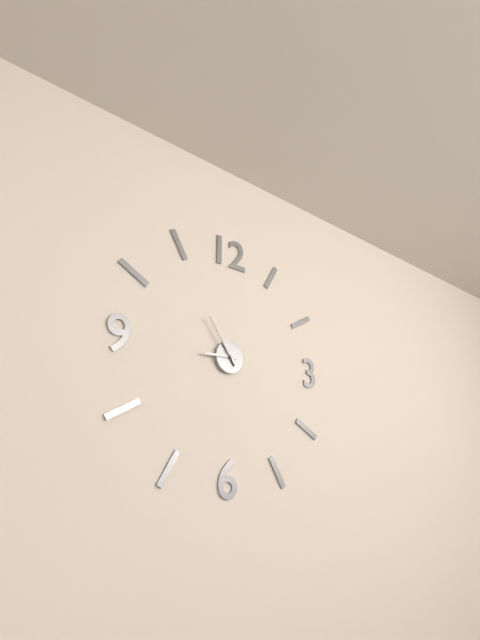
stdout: 8h54
